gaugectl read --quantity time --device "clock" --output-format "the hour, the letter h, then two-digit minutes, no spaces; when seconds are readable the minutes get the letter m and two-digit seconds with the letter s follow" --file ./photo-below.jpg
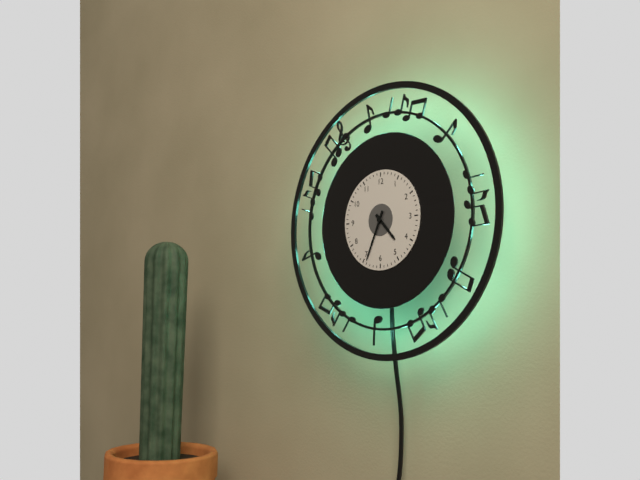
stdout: 4h34
